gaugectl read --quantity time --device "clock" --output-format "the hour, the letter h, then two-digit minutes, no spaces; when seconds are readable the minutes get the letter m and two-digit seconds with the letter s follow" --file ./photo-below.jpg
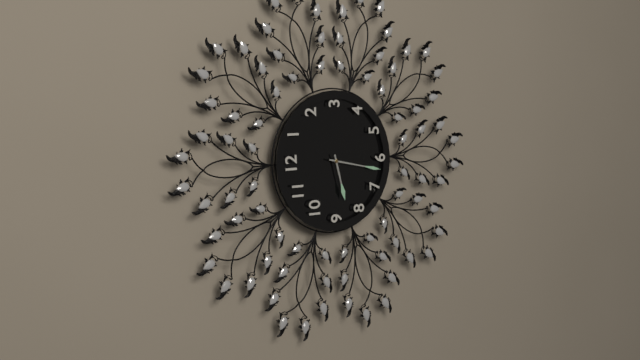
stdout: 8h32
